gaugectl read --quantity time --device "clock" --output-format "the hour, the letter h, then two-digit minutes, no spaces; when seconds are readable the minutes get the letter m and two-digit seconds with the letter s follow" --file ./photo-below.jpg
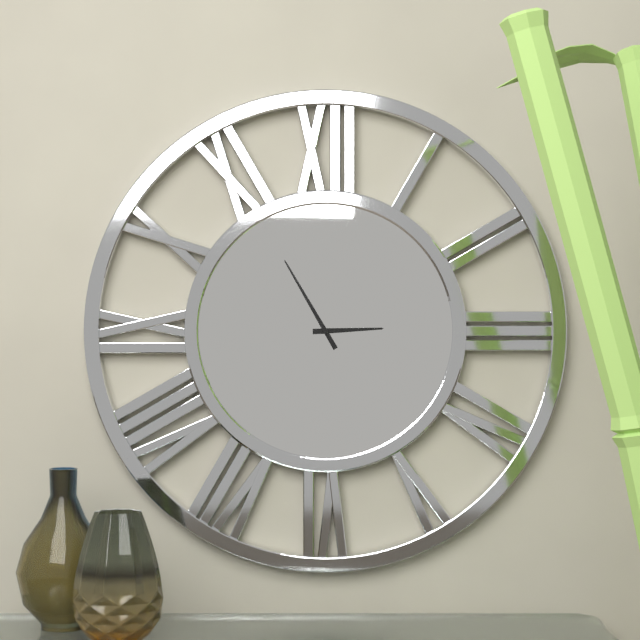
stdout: 2h55
